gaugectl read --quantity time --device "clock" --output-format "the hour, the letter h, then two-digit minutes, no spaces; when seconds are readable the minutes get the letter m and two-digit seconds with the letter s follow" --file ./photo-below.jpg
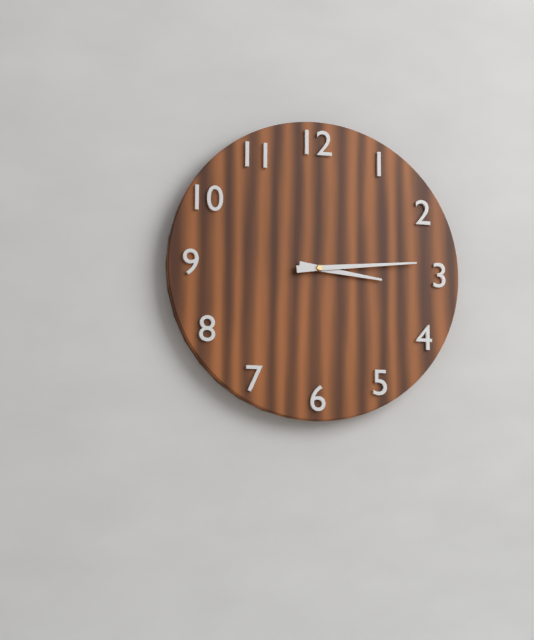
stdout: 3h14
